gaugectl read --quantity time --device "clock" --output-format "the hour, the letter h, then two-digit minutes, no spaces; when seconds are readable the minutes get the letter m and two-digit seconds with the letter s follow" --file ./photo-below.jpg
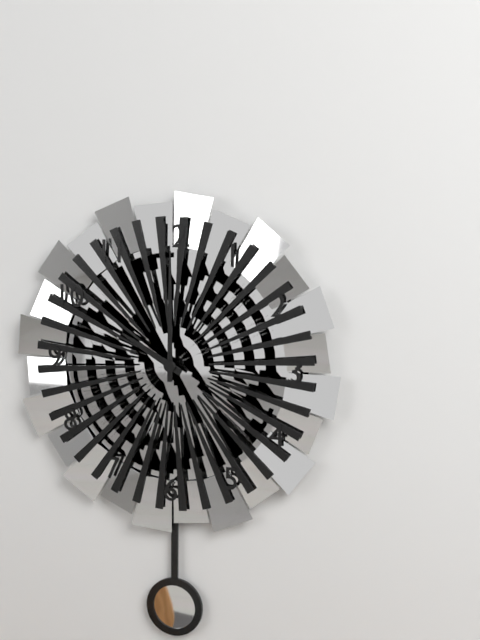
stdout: 10h00
